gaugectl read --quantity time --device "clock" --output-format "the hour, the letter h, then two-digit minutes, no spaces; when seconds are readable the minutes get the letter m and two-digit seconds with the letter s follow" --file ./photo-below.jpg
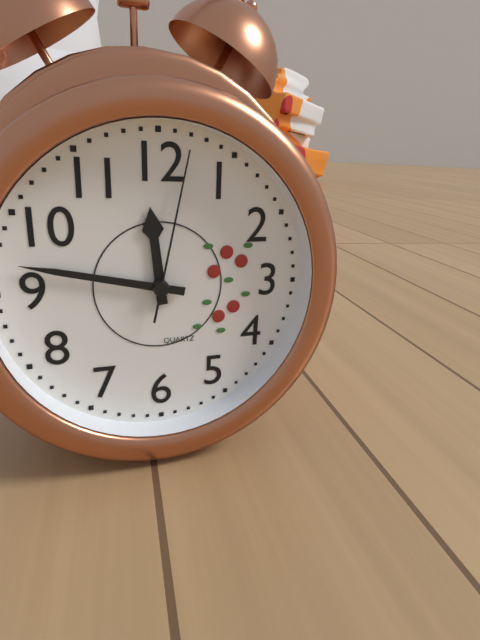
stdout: 11h47m02s
